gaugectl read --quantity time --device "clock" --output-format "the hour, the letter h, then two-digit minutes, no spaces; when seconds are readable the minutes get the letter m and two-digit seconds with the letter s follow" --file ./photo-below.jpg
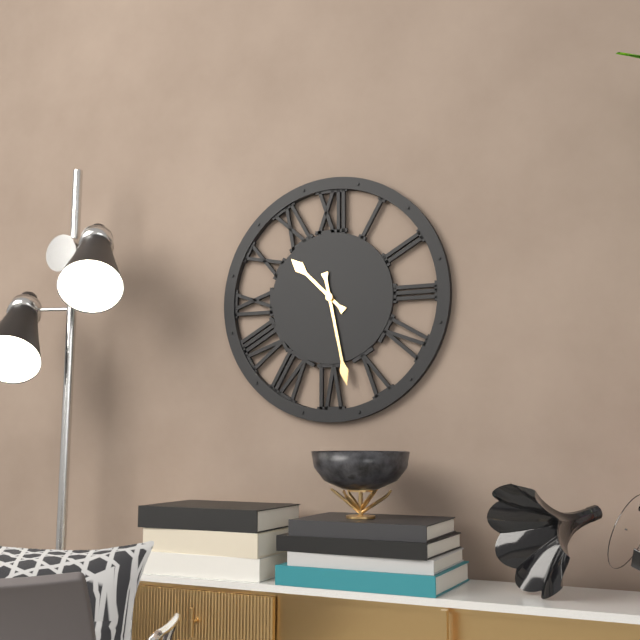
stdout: 10h28
